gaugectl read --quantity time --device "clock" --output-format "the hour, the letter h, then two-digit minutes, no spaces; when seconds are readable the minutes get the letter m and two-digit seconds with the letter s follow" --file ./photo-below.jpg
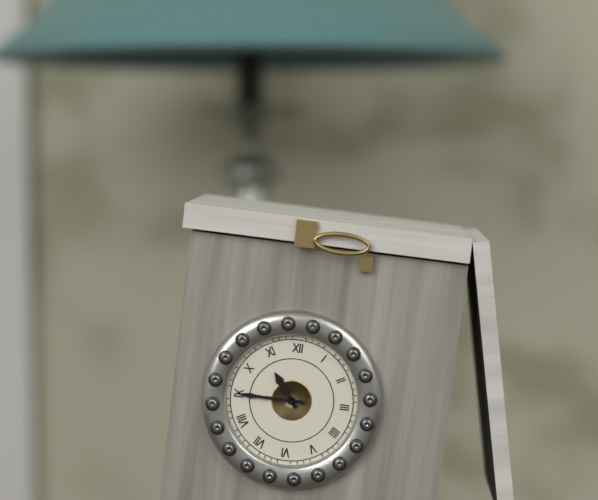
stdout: 10h45
